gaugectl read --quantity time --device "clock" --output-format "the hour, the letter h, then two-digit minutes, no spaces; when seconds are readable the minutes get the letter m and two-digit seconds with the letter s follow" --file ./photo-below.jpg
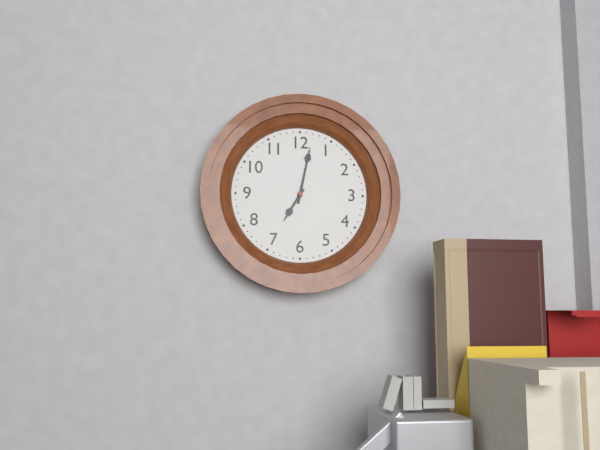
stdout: 7h02
